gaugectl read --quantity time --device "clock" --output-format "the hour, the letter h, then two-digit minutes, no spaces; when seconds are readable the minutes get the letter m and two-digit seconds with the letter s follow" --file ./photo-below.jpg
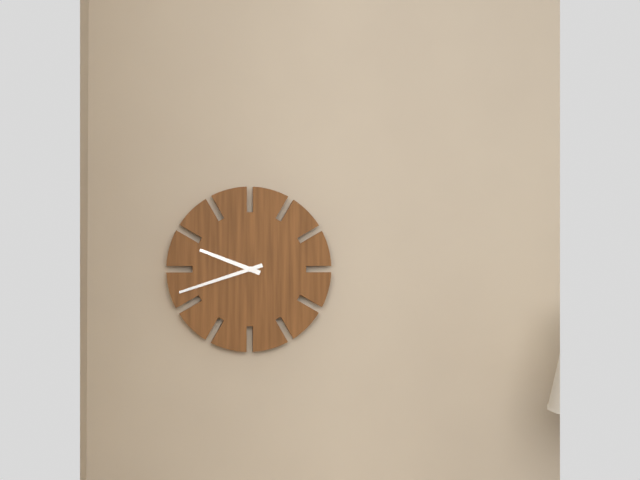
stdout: 9h42
